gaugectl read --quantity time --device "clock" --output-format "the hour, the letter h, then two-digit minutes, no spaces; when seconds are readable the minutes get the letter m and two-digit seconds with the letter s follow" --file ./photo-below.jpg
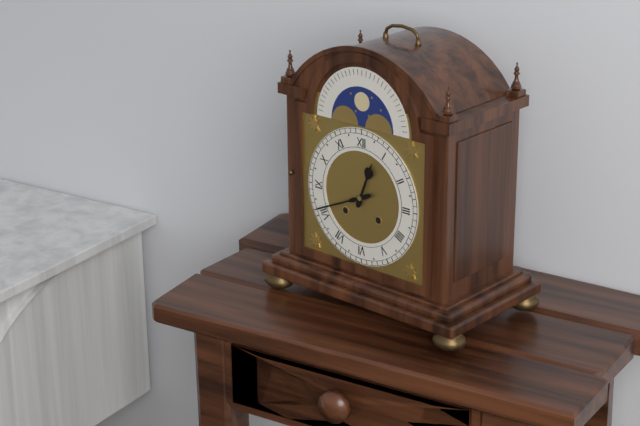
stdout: 12h41
